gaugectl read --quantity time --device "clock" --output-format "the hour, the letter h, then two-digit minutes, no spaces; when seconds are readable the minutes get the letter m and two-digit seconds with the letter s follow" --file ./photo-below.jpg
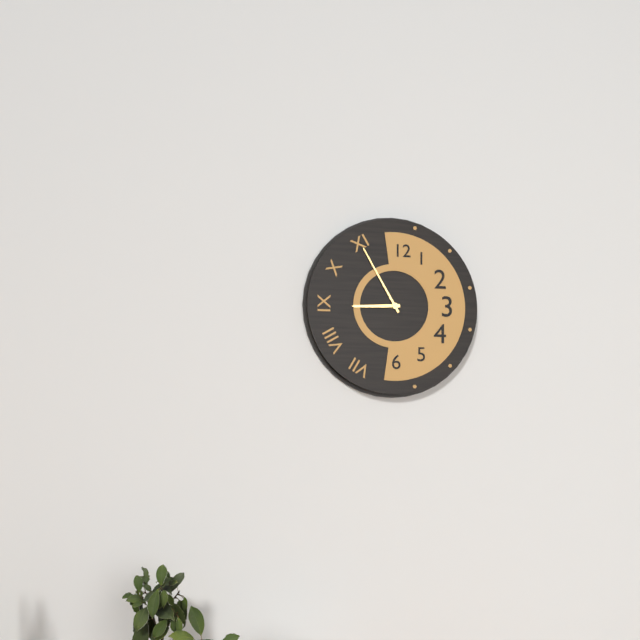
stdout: 8h55
